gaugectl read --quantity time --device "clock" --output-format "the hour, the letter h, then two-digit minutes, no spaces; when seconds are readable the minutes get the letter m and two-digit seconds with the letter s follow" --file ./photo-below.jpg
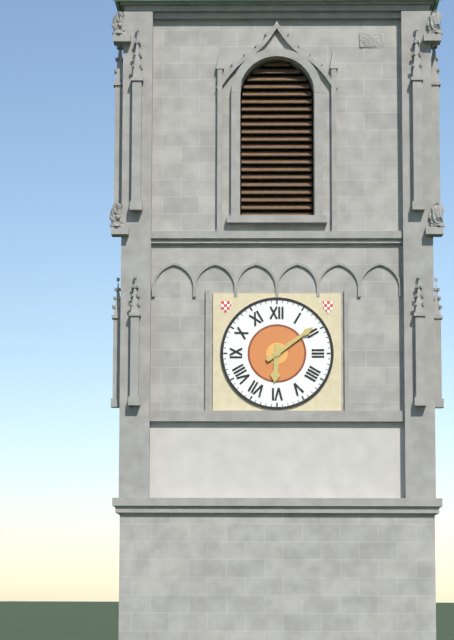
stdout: 6h09
